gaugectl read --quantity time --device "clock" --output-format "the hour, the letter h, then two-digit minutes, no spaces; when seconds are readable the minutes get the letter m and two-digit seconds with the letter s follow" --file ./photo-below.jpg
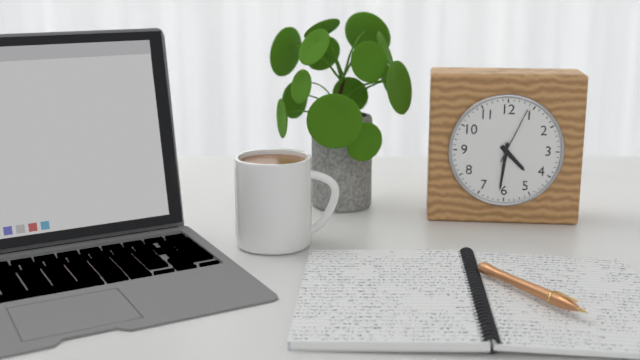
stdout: 4h31m04s
